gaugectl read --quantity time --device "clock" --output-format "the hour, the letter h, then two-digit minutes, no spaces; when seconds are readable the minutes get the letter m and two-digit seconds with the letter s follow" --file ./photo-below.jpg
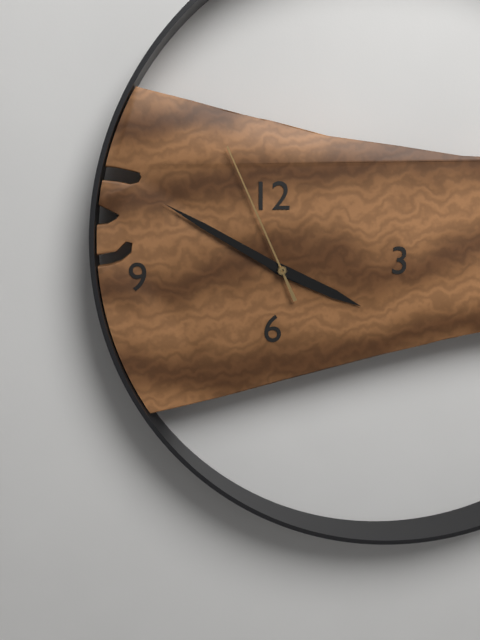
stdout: 3h50m56s
